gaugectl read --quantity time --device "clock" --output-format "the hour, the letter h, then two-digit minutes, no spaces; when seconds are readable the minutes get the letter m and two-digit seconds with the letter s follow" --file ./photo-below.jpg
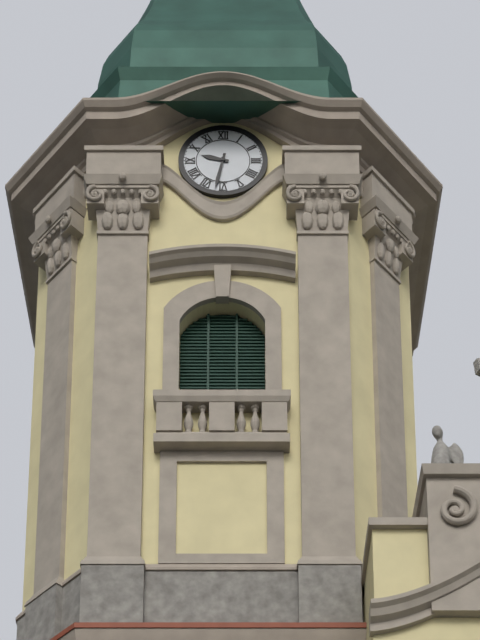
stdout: 9h32
